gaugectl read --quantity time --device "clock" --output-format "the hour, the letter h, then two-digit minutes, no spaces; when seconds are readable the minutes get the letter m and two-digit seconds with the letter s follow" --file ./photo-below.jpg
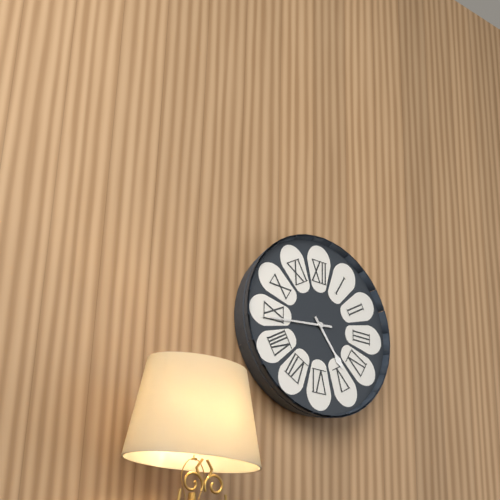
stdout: 4h44
